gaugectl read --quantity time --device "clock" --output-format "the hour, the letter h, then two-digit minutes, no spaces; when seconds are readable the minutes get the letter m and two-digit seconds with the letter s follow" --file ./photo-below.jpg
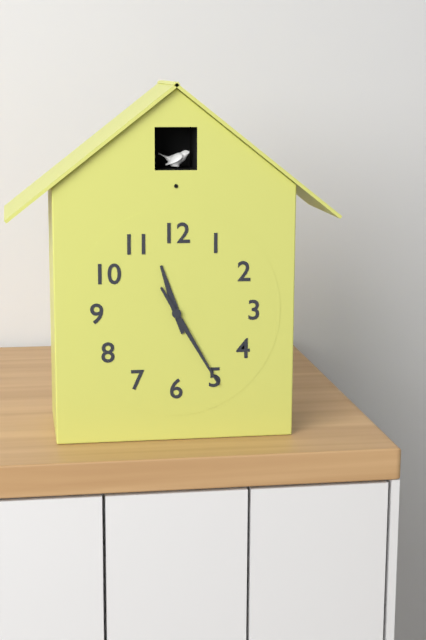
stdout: 11h25
